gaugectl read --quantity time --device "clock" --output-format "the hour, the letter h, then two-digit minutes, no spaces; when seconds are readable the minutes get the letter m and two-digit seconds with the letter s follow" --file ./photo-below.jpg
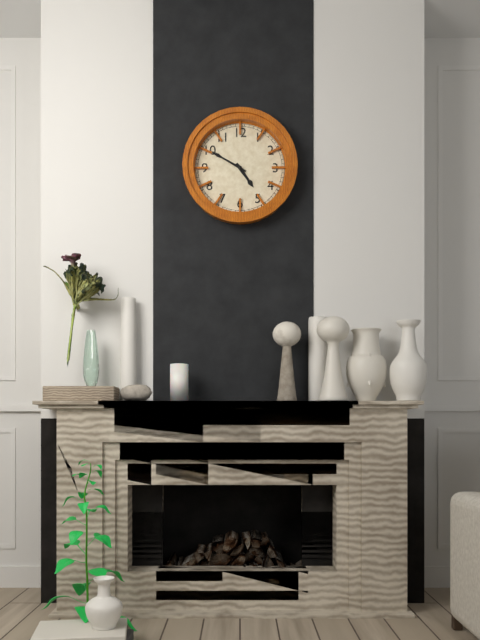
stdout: 4h50
